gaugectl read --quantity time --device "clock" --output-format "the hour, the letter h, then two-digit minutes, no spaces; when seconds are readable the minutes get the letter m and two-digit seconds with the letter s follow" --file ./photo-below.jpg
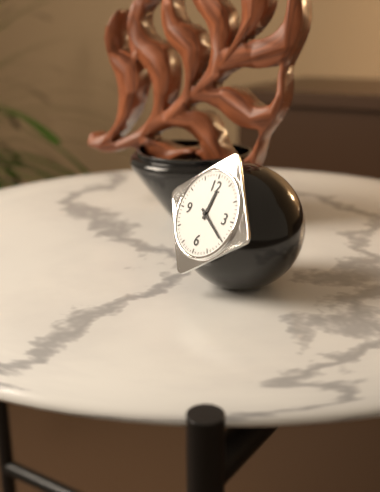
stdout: 12h20
